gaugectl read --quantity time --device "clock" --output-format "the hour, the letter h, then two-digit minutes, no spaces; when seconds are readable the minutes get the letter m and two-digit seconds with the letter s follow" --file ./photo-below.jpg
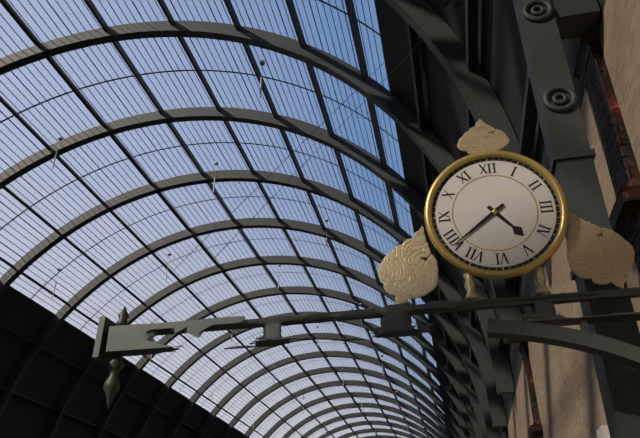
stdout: 4h39
